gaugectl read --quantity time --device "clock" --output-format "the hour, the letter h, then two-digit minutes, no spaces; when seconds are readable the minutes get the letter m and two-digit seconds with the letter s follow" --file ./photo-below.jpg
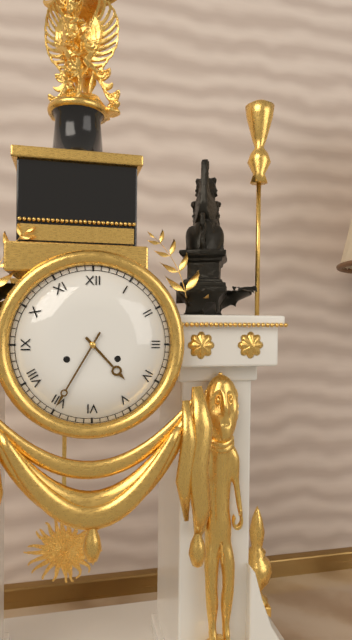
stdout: 4h35
